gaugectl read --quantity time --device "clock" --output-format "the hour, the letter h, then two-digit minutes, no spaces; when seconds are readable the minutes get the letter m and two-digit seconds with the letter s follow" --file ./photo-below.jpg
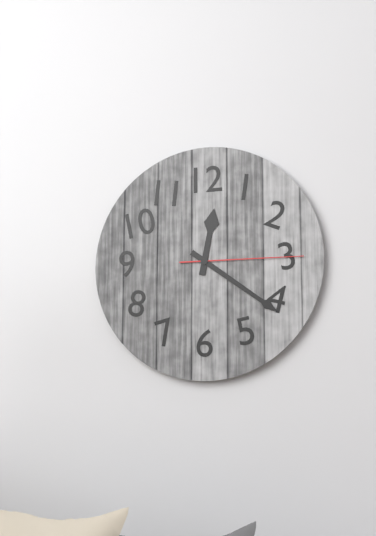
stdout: 12h21m15s
